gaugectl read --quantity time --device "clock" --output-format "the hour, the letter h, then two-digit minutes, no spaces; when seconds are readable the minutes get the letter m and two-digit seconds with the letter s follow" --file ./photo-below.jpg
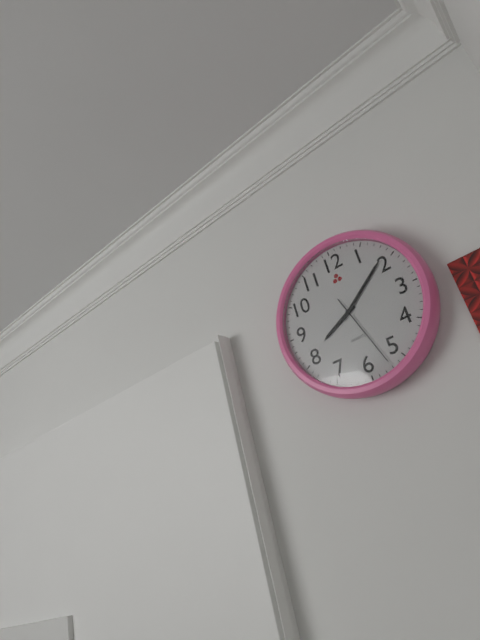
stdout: 8h09m27s
